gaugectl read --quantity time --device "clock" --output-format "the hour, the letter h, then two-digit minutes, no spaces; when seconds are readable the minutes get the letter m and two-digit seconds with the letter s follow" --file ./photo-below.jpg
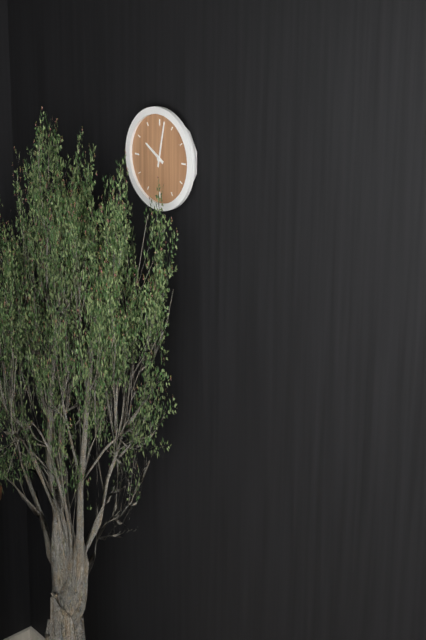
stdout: 10h02
